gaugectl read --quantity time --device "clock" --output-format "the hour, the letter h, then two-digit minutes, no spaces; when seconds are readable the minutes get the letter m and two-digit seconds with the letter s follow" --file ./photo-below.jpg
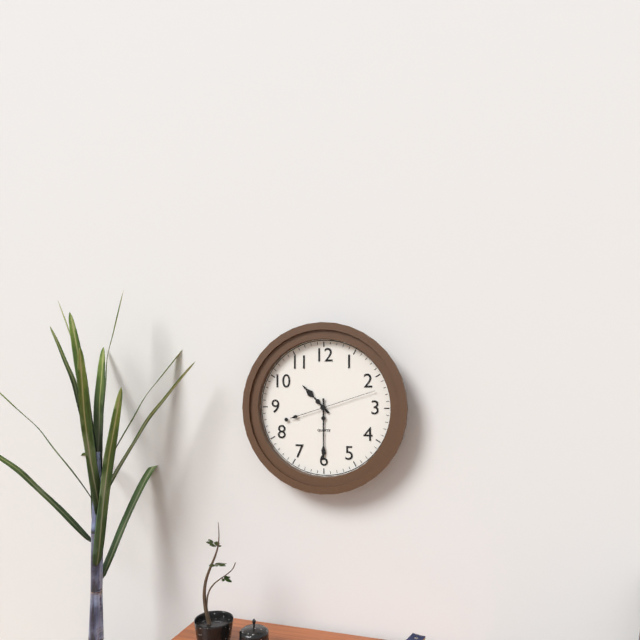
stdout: 10h30m12s
